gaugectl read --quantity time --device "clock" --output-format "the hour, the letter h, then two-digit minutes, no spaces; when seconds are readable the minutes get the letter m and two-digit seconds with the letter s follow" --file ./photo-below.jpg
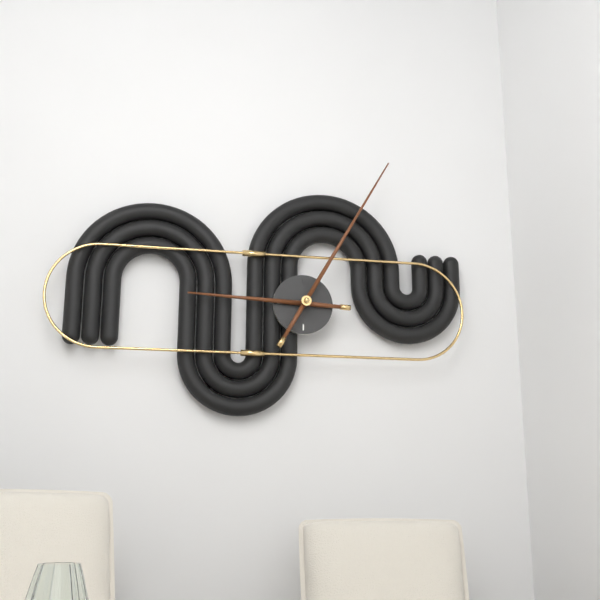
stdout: 9h05
